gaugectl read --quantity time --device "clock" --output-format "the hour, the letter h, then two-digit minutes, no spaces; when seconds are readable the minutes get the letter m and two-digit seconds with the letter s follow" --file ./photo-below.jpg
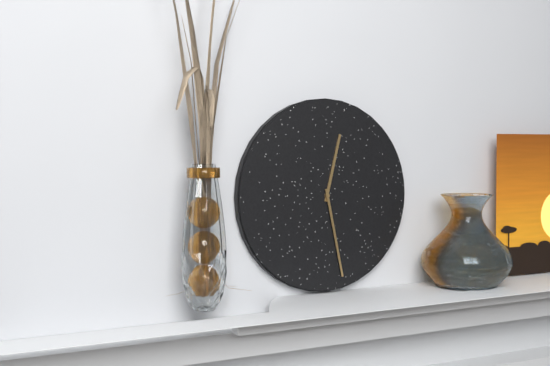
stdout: 12h28
